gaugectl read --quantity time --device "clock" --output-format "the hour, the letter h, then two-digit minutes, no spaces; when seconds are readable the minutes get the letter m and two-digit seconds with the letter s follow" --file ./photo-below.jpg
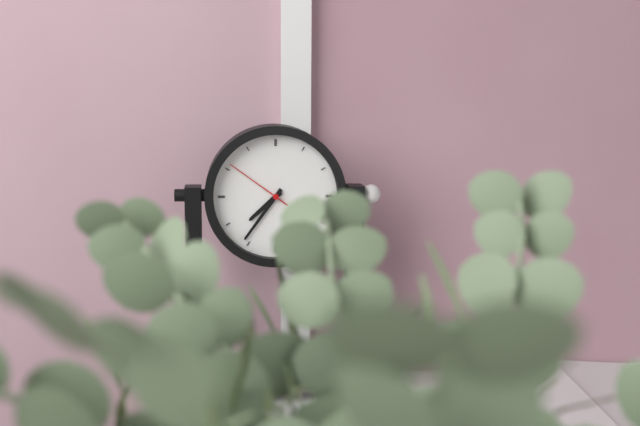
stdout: 7h36m51s
